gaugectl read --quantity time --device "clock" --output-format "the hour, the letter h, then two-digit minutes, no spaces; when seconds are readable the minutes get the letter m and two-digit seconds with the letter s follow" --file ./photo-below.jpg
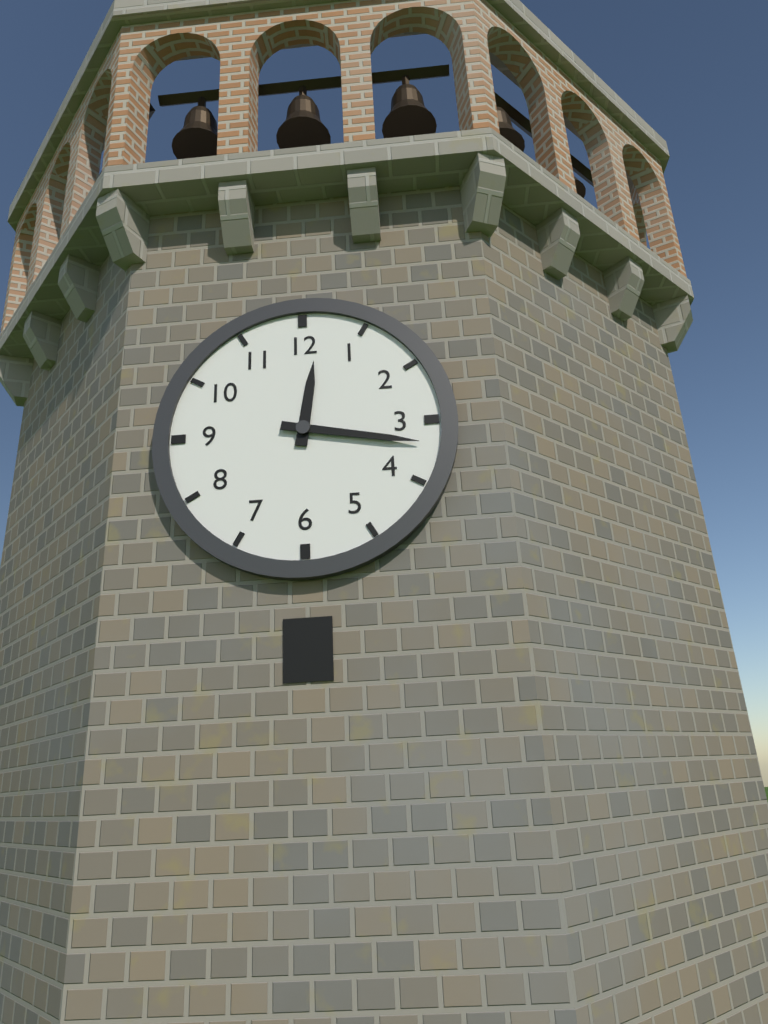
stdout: 12h17
